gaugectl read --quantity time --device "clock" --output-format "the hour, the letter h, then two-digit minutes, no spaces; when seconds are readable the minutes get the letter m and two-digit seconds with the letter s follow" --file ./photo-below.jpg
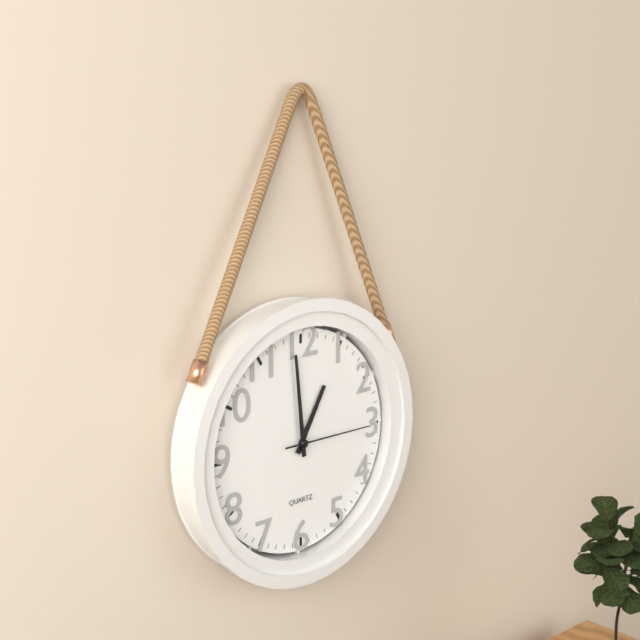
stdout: 12h59m15s
